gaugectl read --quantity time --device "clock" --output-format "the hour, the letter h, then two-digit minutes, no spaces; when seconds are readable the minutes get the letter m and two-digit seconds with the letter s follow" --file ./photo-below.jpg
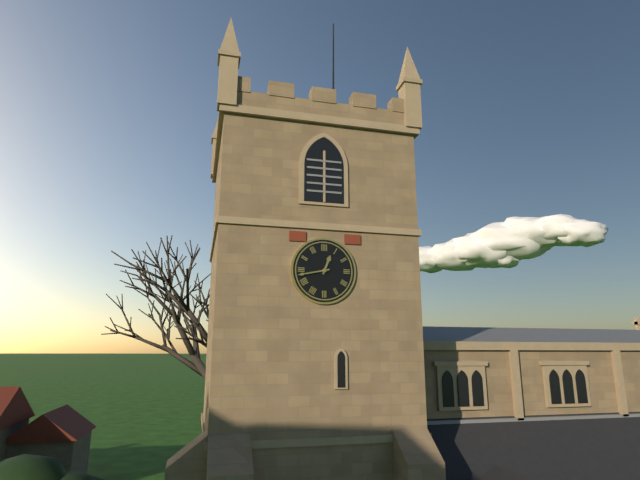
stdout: 12h43
